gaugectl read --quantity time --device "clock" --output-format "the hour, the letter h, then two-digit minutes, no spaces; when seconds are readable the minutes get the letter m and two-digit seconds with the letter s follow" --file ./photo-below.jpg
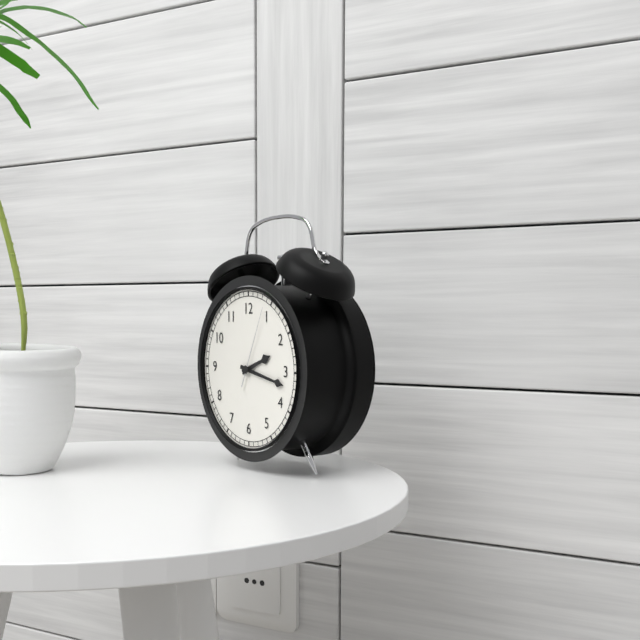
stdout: 2h17m04s
